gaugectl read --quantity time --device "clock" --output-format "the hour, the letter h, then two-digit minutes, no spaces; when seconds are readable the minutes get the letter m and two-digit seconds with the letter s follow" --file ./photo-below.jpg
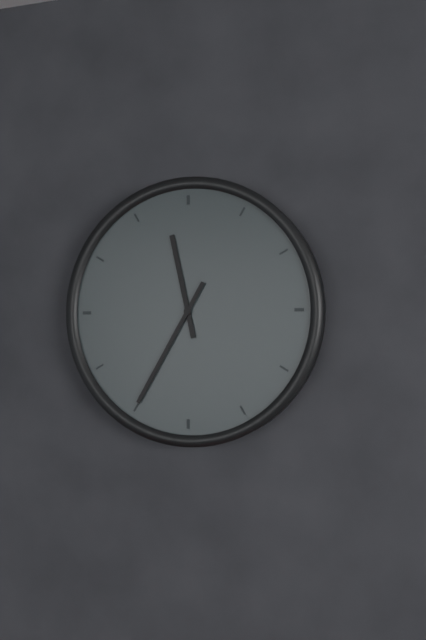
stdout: 11h35
